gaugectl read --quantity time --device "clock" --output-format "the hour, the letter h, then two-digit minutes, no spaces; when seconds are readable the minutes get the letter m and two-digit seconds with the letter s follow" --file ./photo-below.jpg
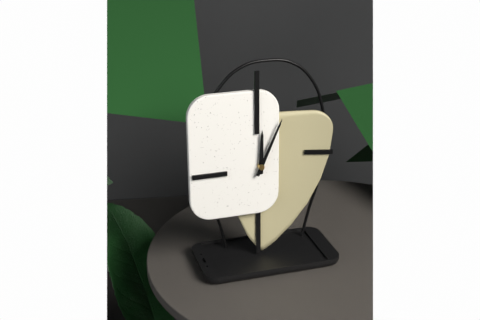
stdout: 12h04
